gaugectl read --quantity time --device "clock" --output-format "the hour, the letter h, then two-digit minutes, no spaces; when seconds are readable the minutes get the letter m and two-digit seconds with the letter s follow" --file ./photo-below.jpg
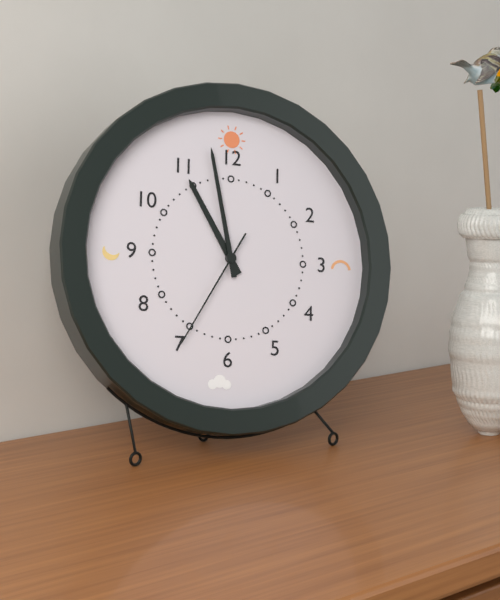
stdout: 10h58m35s
